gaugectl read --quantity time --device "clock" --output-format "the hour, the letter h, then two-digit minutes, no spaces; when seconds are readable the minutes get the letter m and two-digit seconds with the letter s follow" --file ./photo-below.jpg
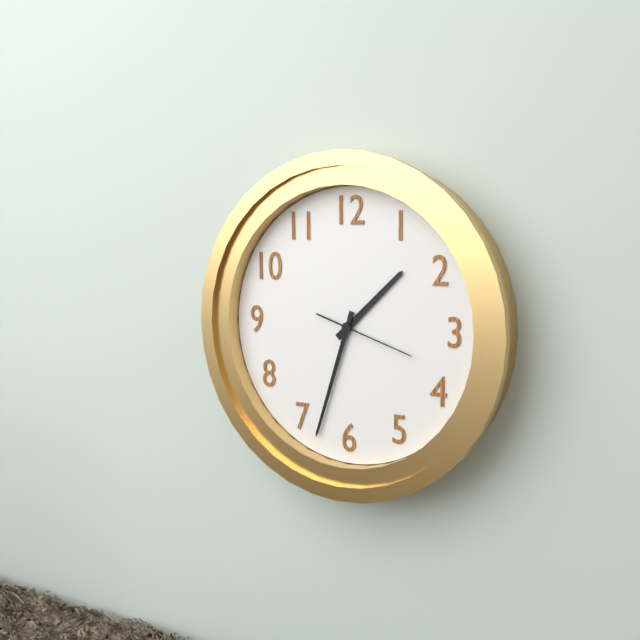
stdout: 1h33m18s
